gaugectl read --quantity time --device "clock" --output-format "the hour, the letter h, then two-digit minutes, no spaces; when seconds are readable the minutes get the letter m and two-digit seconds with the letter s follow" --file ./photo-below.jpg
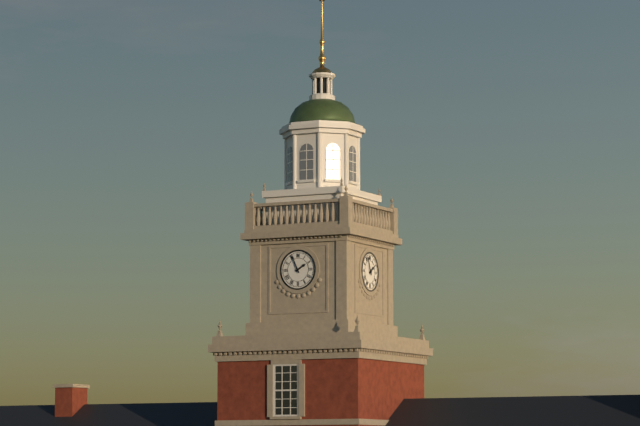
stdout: 1h56
